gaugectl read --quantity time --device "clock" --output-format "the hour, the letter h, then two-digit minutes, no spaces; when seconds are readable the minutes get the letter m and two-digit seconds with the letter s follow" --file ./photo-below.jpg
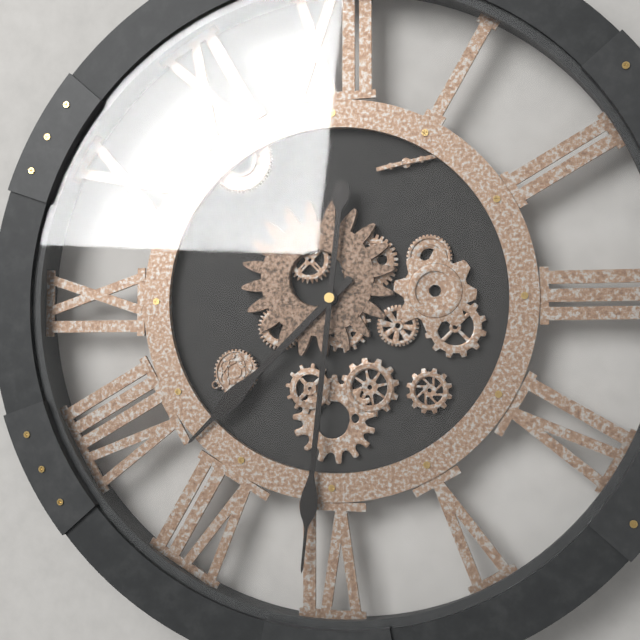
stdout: 7h31
